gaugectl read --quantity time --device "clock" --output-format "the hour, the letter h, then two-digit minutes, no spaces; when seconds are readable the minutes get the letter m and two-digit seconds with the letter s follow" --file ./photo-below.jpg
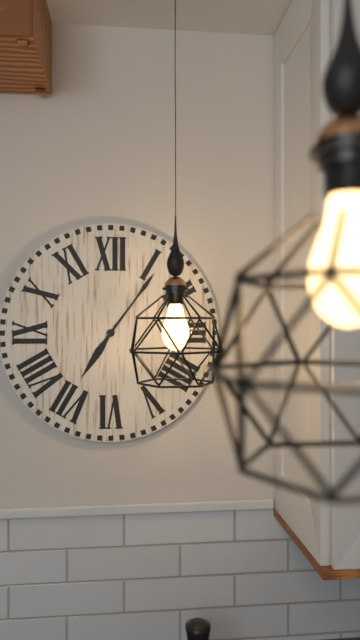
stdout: 7h06
